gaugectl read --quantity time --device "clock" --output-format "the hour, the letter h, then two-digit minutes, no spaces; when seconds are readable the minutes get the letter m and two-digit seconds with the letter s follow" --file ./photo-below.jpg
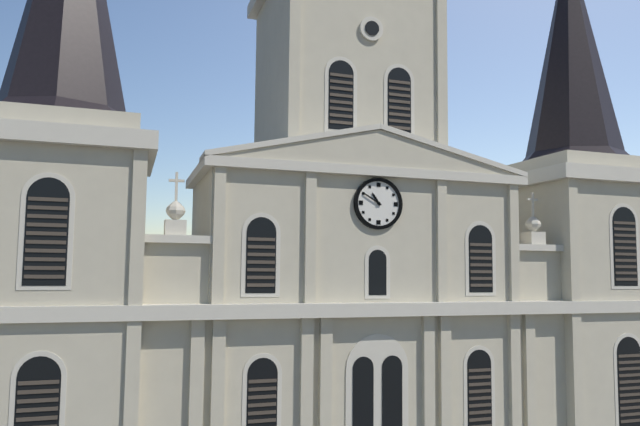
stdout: 10h50
